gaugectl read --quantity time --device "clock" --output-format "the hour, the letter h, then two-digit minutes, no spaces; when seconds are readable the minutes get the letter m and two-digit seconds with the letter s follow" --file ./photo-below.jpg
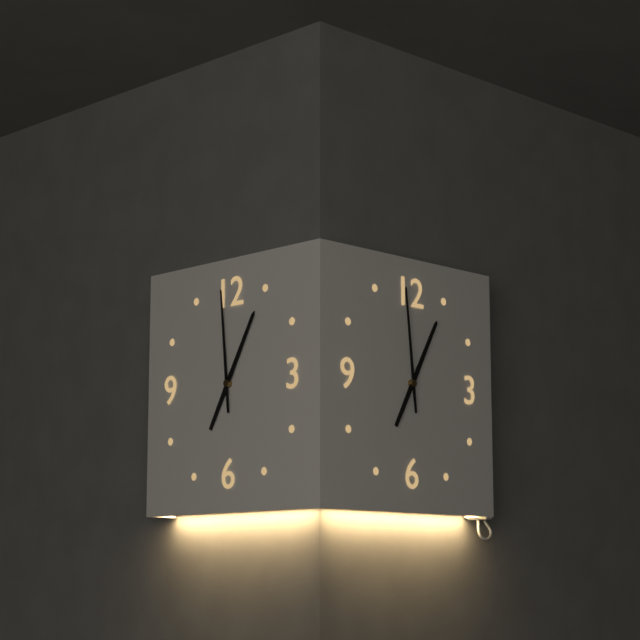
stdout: 12h59
